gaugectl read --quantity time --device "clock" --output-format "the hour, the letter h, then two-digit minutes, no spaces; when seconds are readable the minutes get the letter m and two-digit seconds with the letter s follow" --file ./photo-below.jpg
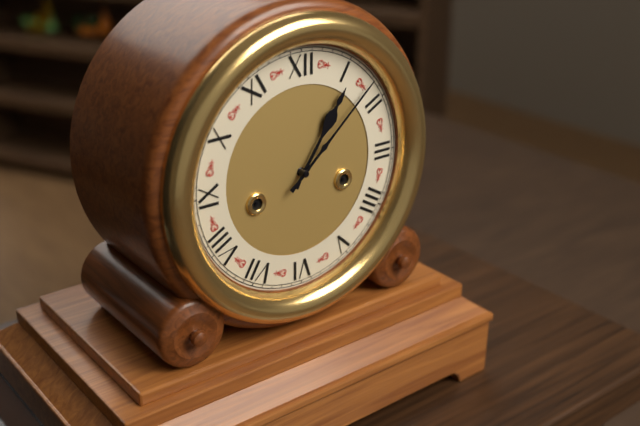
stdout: 1h08
